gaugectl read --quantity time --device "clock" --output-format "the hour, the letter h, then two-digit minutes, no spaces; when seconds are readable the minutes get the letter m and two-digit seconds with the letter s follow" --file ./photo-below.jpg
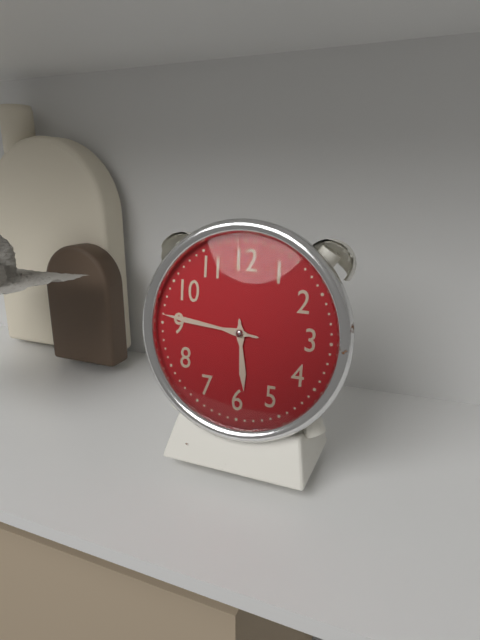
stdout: 5h46
